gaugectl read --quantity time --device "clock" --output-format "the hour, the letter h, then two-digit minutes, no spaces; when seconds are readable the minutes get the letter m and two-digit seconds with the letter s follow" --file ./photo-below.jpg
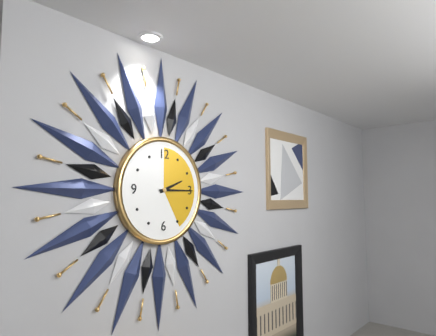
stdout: 2h15
